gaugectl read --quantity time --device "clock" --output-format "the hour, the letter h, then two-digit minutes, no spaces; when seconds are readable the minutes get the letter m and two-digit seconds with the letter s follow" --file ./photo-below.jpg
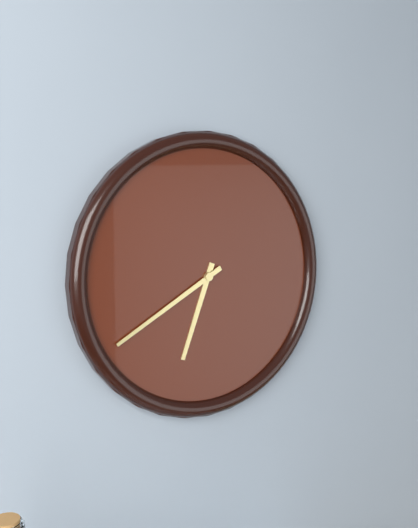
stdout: 6h40
